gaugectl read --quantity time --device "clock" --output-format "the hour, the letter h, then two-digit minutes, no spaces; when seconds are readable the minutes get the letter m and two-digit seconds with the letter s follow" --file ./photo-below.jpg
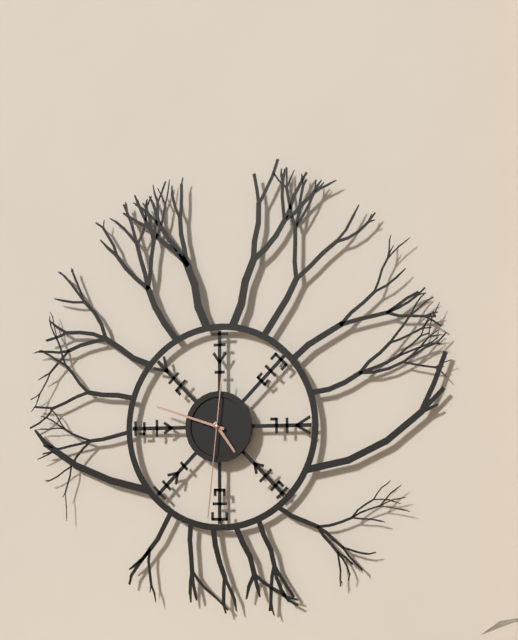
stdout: 4h48m31s
